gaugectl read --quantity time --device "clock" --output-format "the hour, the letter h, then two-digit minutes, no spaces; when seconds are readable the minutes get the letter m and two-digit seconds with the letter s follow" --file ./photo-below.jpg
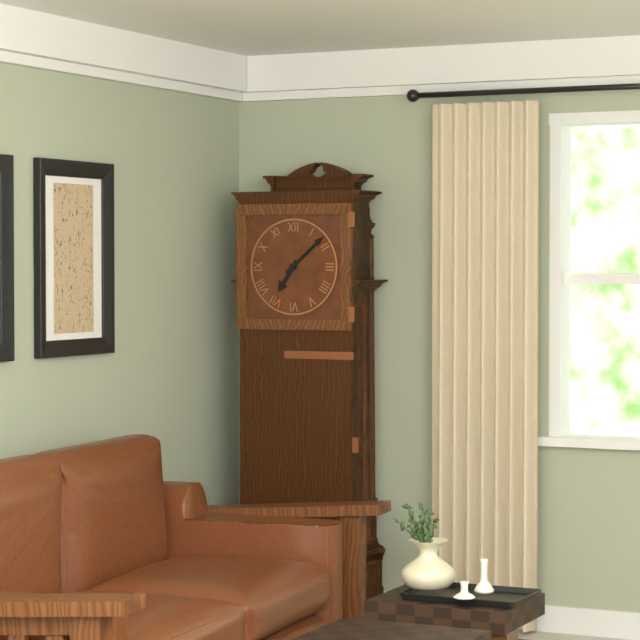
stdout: 7h08
